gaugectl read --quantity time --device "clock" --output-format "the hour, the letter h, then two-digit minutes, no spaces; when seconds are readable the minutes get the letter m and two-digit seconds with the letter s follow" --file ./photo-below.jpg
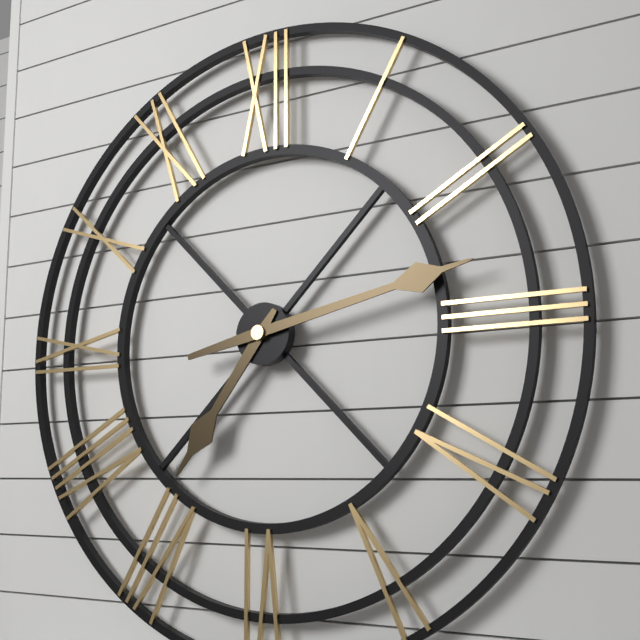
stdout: 7h13
